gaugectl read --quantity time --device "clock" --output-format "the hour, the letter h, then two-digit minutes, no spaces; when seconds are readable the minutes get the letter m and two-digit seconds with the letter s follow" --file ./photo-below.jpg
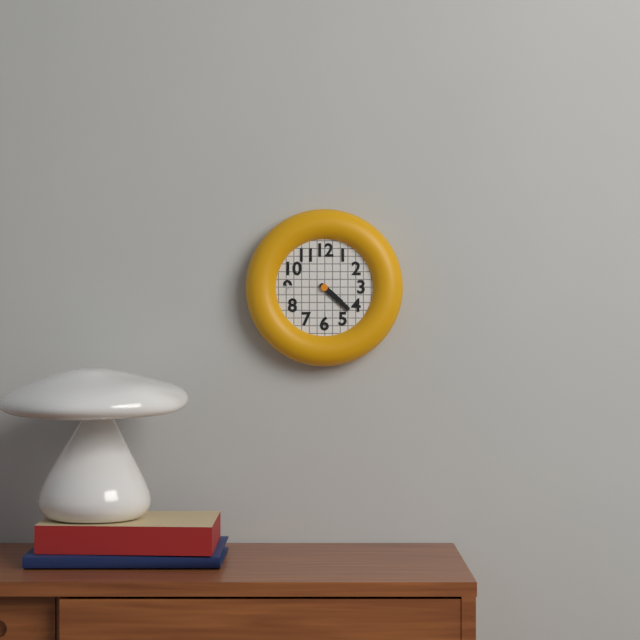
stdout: 4h22
